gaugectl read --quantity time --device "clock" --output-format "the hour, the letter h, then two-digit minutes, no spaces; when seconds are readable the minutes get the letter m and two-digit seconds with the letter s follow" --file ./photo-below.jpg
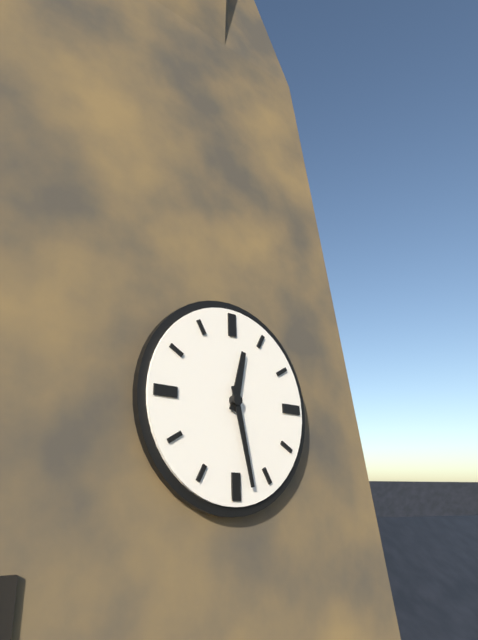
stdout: 12h28
